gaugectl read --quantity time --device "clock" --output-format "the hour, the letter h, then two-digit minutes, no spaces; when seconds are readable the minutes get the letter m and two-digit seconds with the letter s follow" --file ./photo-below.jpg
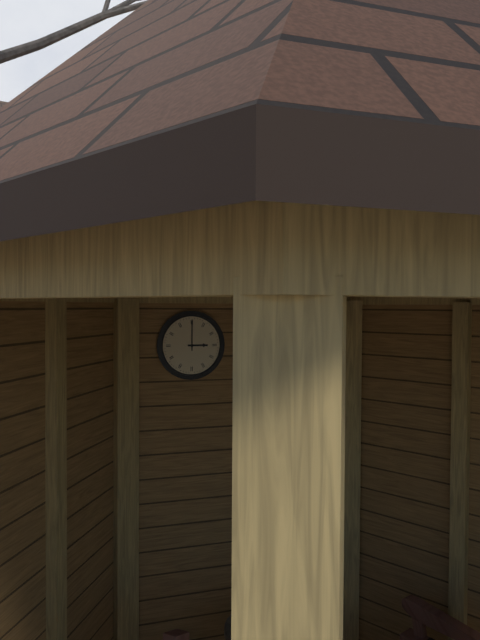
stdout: 3h00
